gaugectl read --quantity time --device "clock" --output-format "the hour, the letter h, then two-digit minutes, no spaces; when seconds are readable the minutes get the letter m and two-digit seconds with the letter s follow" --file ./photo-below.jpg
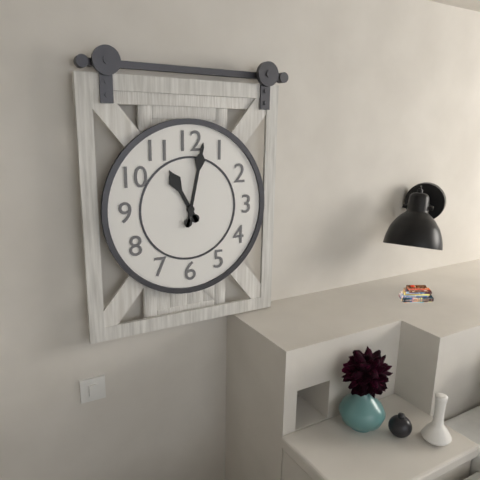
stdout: 11h02
